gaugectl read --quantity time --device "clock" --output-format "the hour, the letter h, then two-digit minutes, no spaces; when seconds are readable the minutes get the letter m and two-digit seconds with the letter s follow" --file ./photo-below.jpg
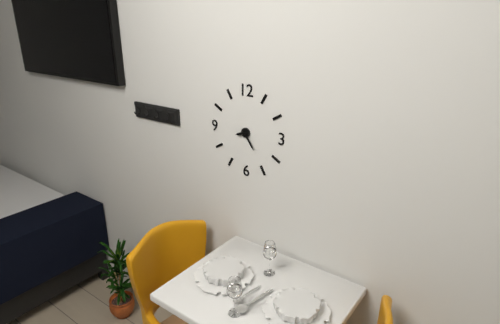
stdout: 8h24
